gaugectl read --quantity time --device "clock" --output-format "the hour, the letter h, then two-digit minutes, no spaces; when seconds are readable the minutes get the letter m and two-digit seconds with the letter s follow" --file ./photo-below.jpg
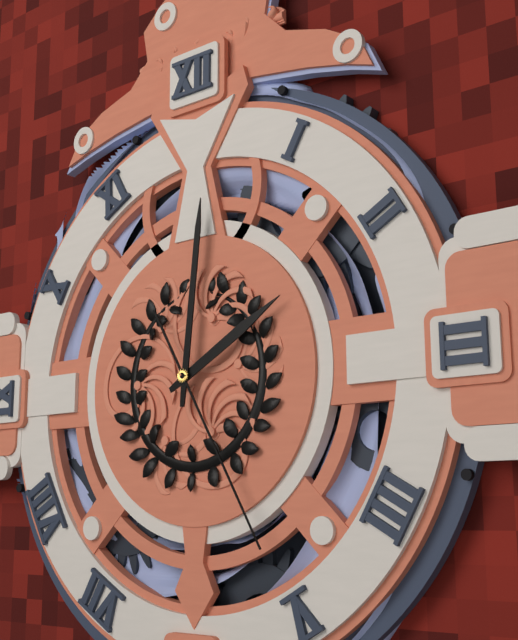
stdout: 2h01m25s
